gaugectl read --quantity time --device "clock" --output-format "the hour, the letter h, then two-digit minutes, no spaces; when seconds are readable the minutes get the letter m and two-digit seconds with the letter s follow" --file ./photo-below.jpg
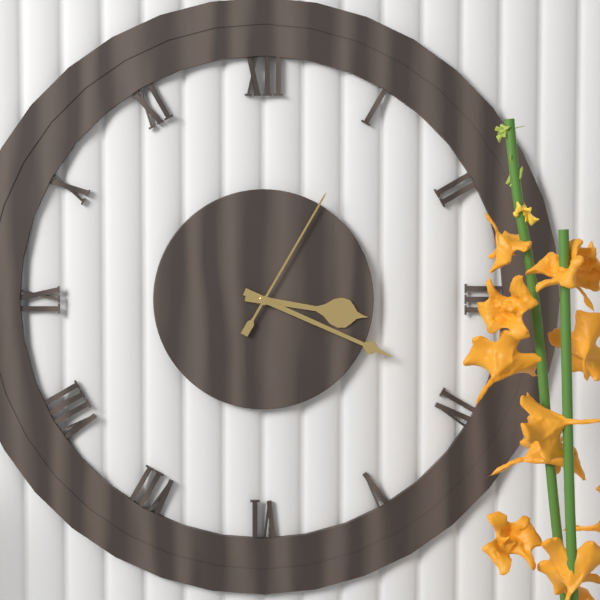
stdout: 3h19m05s
